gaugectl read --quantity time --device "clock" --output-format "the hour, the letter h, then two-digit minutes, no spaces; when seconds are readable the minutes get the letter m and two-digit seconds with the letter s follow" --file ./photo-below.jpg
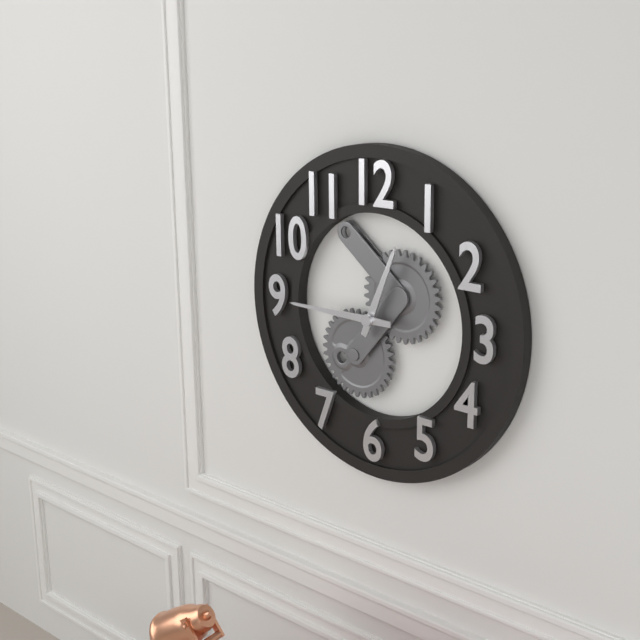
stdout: 12h45
